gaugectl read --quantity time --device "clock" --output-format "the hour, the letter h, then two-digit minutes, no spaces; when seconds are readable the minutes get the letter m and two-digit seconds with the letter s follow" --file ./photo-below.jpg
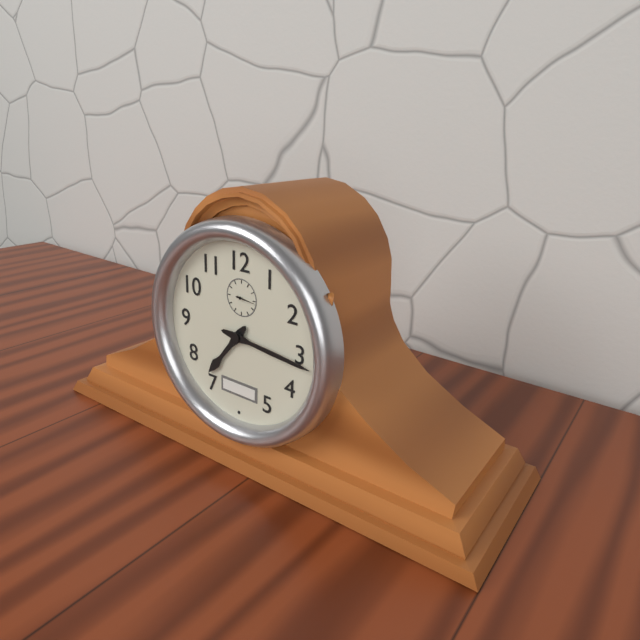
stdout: 7h16
